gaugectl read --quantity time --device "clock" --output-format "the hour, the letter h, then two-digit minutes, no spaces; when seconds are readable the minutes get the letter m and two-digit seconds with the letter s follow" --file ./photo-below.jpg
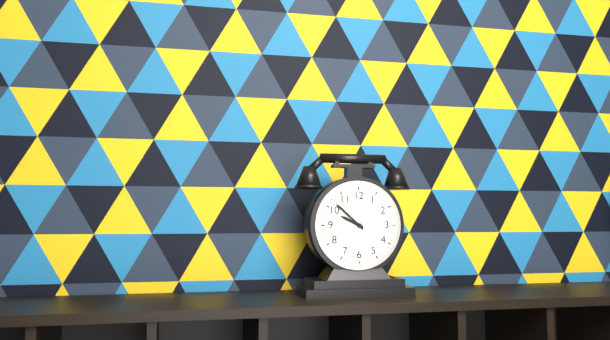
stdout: 9h52
